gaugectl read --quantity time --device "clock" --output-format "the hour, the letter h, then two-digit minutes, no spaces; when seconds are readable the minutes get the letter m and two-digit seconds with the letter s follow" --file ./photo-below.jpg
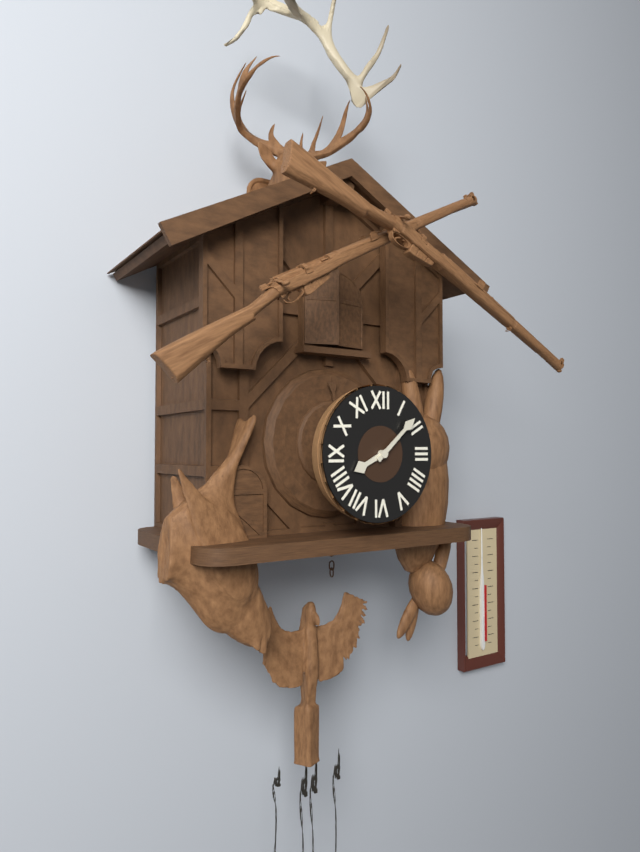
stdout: 8h08
